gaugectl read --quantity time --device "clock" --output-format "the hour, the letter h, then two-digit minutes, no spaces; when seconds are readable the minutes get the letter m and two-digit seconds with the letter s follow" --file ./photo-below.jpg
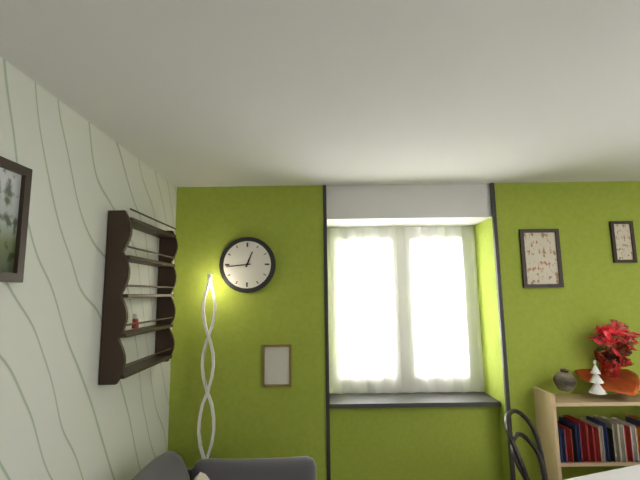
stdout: 12h44
